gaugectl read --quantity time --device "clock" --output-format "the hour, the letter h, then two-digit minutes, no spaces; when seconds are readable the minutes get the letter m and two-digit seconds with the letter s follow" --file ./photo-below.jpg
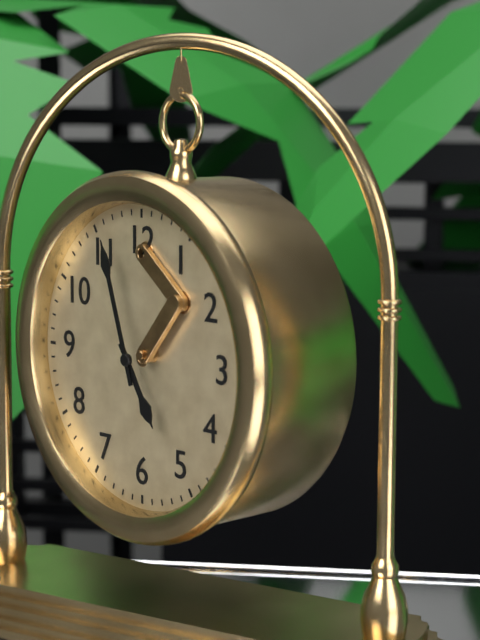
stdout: 4h57
